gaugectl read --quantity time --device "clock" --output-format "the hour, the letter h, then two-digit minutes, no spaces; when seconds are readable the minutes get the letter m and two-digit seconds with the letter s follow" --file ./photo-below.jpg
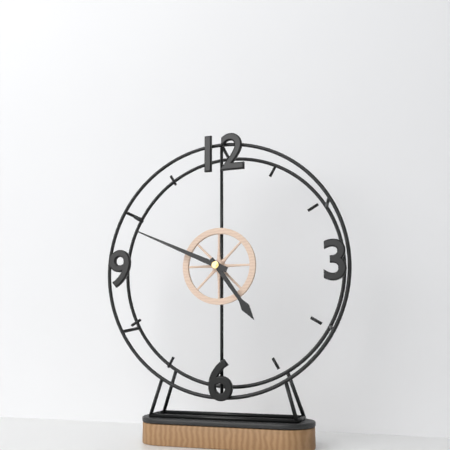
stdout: 4h49
